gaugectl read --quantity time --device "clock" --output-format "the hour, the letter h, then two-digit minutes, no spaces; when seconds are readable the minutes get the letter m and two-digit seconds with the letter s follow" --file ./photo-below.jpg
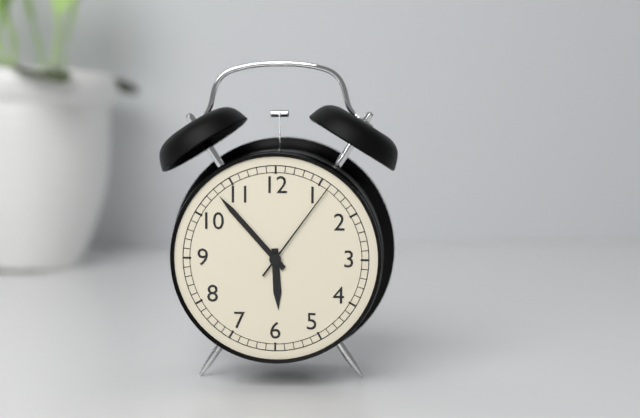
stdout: 5h53m06s
